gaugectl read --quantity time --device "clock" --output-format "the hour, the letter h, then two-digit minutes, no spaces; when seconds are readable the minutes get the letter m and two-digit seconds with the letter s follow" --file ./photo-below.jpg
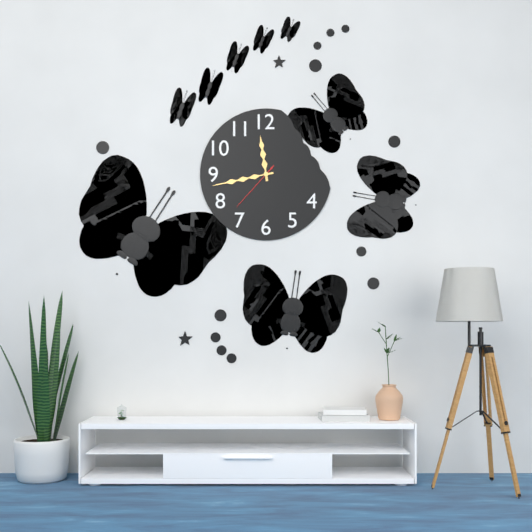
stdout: 11h43m37s
